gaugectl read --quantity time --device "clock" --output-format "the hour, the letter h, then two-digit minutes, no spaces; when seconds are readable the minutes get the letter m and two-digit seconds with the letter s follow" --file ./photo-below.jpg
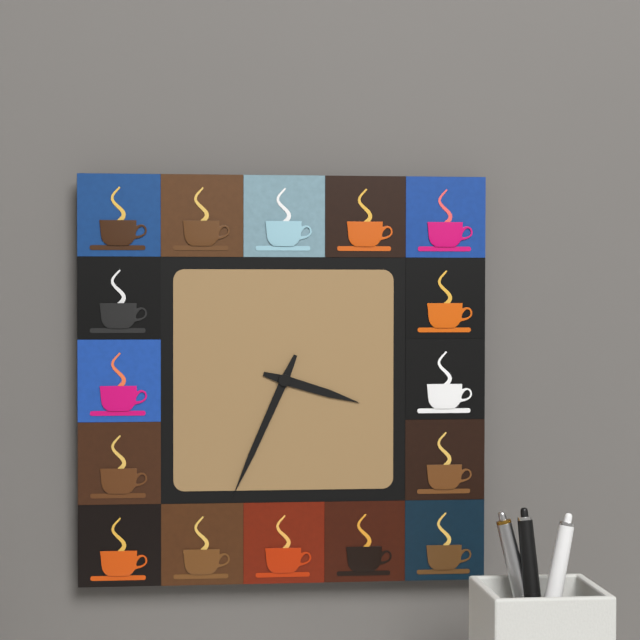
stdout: 3h34
